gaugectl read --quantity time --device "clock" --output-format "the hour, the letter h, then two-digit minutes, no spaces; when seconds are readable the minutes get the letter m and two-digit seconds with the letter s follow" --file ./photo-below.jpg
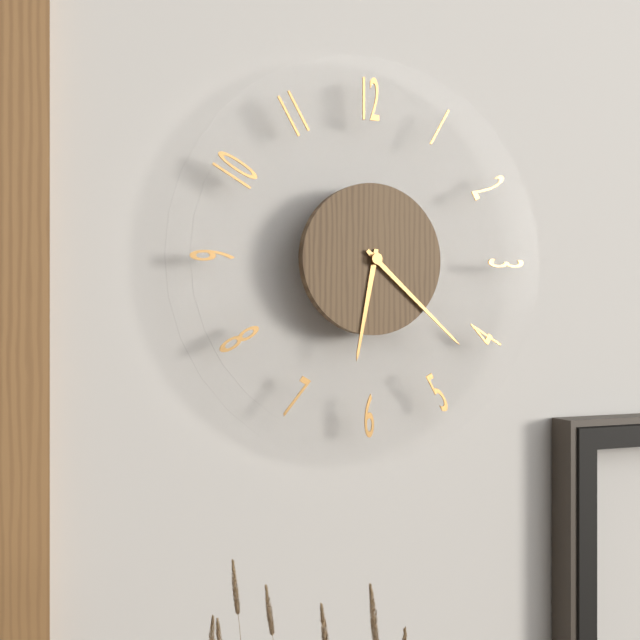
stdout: 6h22
